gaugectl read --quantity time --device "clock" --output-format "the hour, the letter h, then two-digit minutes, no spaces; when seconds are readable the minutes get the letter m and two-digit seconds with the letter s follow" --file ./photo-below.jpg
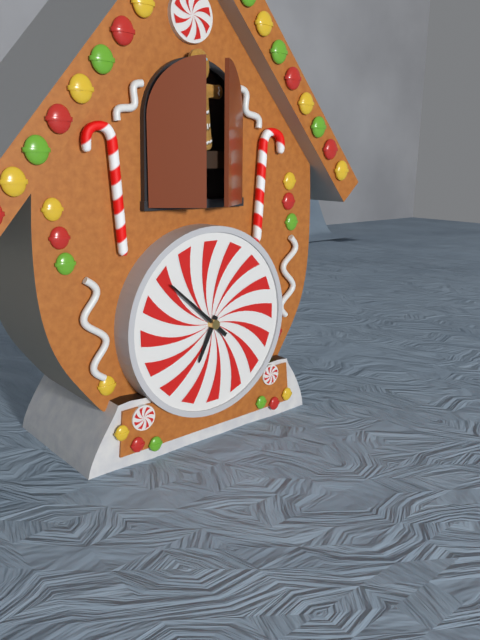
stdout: 6h52
